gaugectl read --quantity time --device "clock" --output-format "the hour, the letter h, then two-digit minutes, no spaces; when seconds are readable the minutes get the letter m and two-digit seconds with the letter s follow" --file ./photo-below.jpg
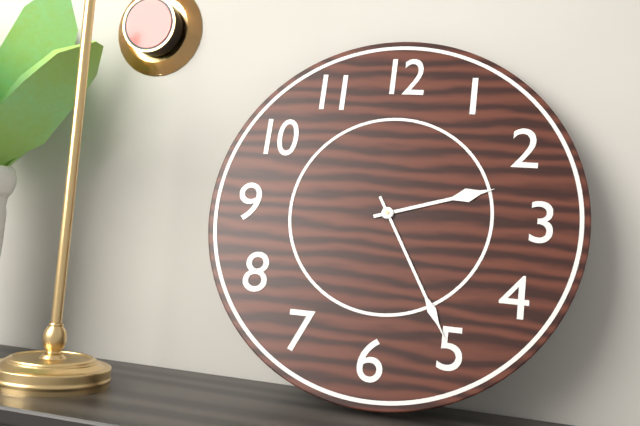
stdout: 2h25
